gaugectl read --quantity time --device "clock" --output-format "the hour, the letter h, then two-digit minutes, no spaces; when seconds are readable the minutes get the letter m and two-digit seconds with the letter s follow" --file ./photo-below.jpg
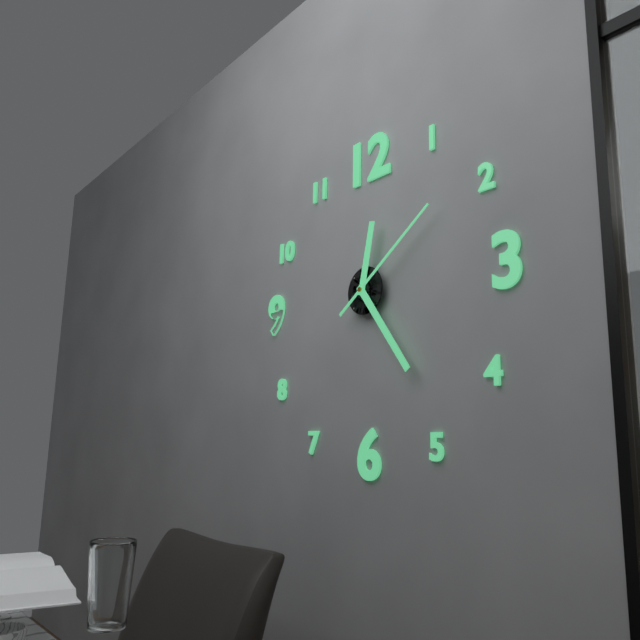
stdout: 12h24m09s
